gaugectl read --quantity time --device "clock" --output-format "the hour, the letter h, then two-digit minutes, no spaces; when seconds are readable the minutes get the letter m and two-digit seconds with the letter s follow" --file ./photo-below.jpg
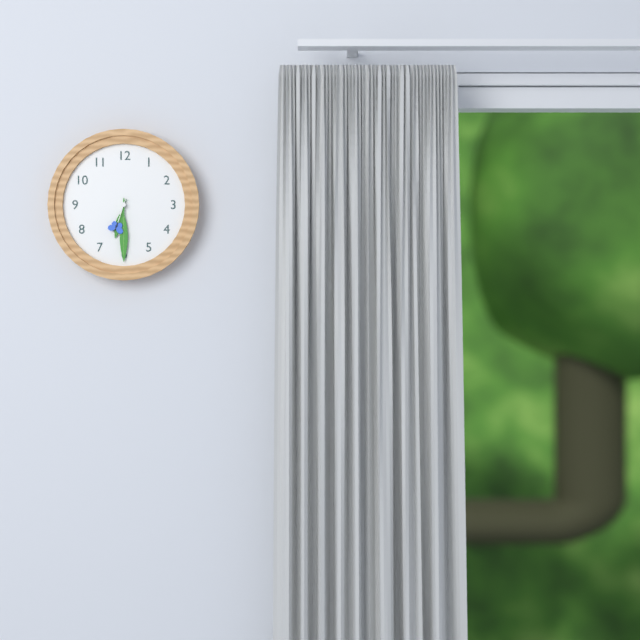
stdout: 6h30
